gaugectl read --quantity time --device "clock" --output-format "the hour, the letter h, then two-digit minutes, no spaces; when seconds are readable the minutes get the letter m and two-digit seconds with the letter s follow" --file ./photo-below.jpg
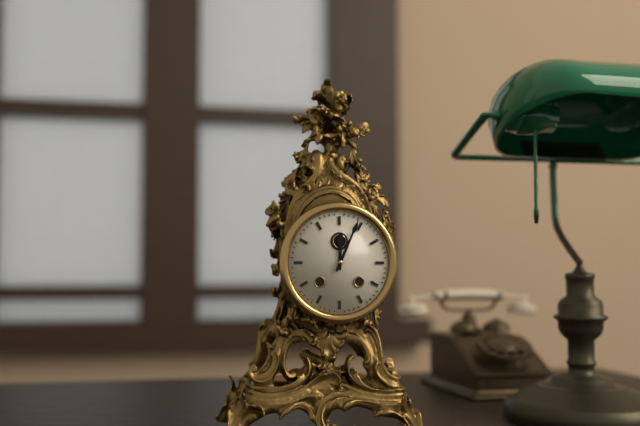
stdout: 12h04
